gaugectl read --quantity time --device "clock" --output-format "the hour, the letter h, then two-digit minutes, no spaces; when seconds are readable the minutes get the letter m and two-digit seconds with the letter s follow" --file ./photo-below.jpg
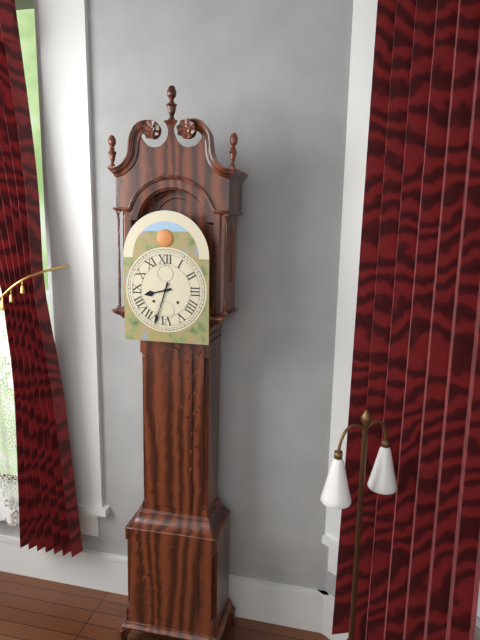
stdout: 8h33
